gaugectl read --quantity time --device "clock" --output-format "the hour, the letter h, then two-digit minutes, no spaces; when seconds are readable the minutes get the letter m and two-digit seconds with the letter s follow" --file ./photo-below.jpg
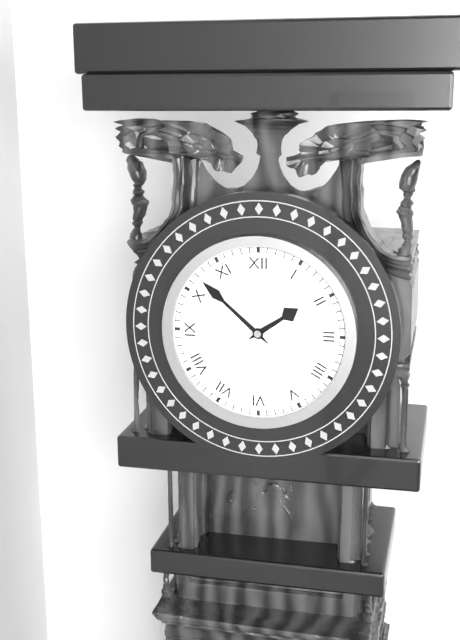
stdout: 1h52
